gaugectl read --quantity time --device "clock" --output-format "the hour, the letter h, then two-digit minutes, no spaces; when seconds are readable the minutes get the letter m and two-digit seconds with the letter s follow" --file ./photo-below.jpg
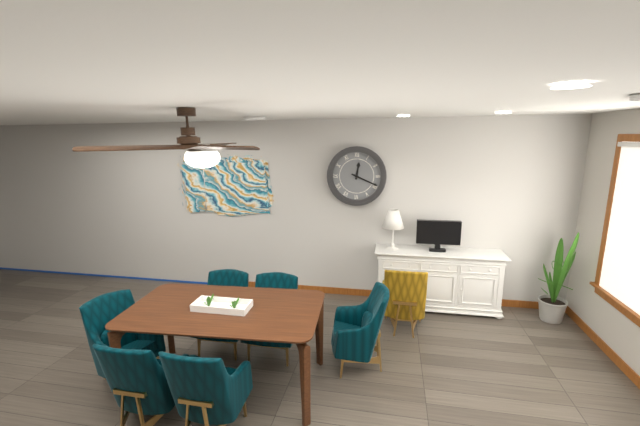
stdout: 12h19
